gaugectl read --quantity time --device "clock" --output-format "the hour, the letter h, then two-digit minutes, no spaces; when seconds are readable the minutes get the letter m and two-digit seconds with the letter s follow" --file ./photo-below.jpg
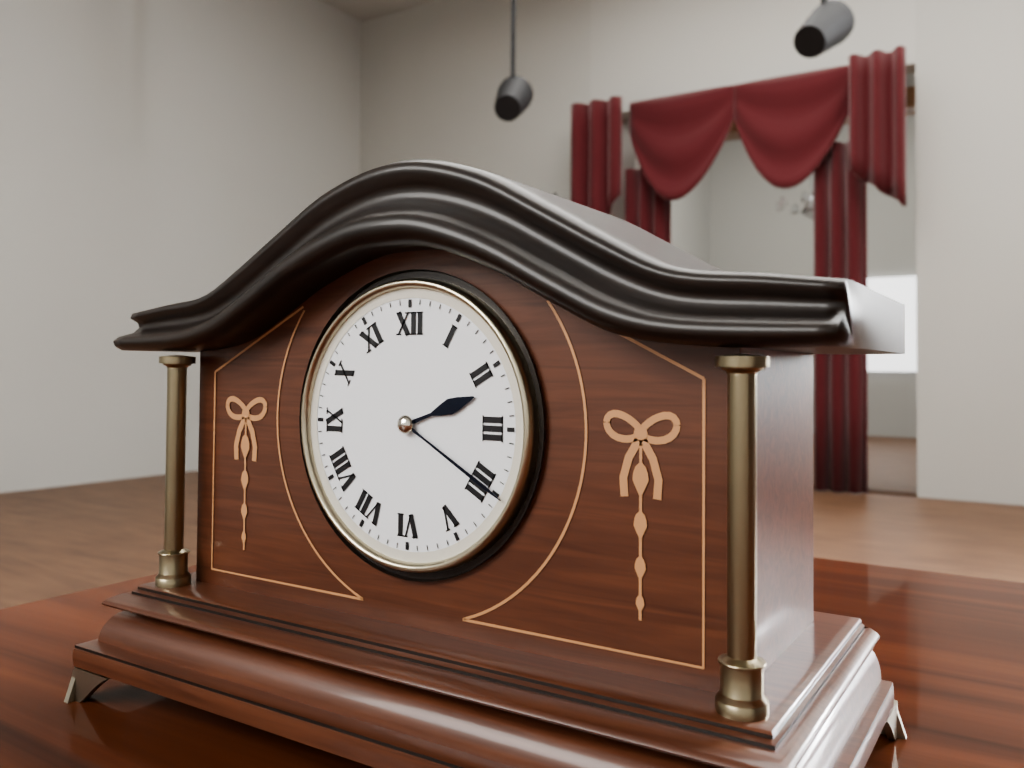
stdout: 2h20
